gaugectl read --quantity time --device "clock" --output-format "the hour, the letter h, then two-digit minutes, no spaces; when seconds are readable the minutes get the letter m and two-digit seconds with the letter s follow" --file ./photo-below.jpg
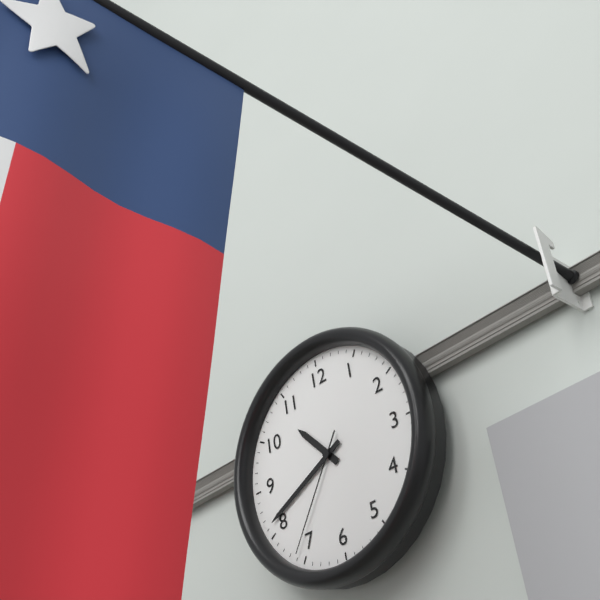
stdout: 10h41m36s
